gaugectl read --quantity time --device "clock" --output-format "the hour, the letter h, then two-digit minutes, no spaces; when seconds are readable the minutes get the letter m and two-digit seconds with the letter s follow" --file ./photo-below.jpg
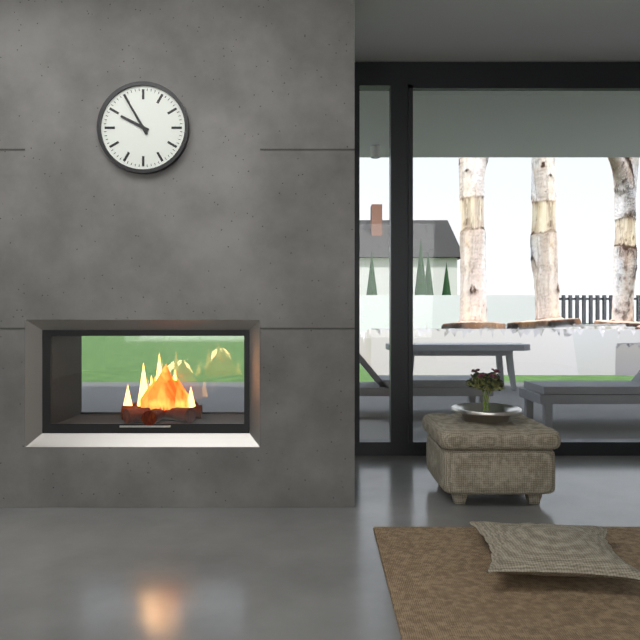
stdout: 9h55
